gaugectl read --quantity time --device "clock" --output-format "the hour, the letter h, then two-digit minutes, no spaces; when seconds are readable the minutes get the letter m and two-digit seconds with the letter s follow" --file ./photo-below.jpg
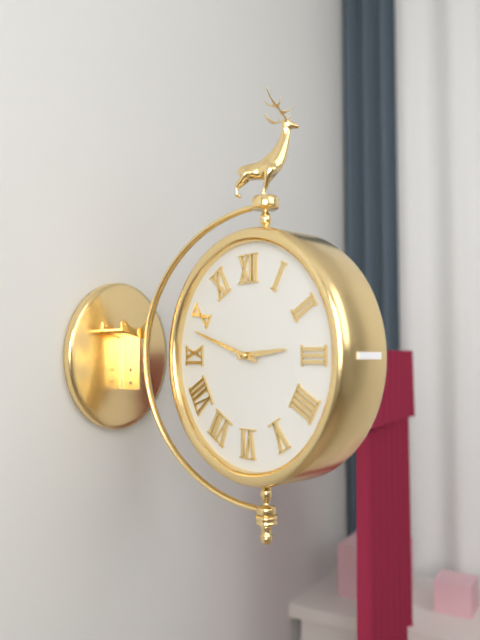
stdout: 2h48
